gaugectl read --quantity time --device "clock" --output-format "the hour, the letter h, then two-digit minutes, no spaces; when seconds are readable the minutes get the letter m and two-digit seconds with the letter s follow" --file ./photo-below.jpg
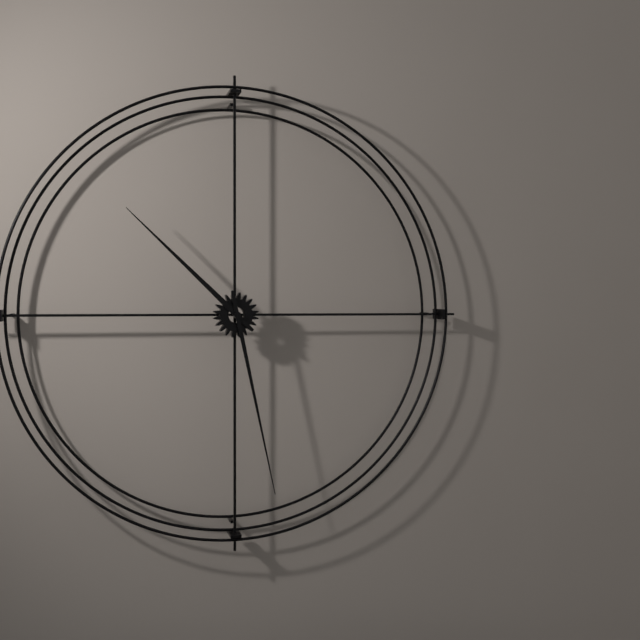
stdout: 10h28
